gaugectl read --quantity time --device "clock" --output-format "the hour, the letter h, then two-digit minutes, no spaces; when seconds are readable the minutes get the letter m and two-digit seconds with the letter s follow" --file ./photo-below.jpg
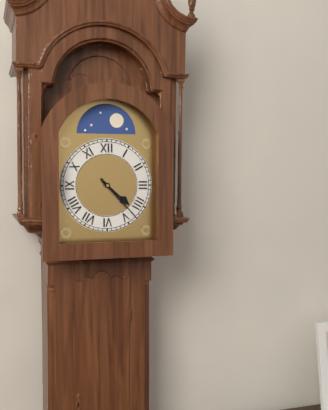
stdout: 4h23
